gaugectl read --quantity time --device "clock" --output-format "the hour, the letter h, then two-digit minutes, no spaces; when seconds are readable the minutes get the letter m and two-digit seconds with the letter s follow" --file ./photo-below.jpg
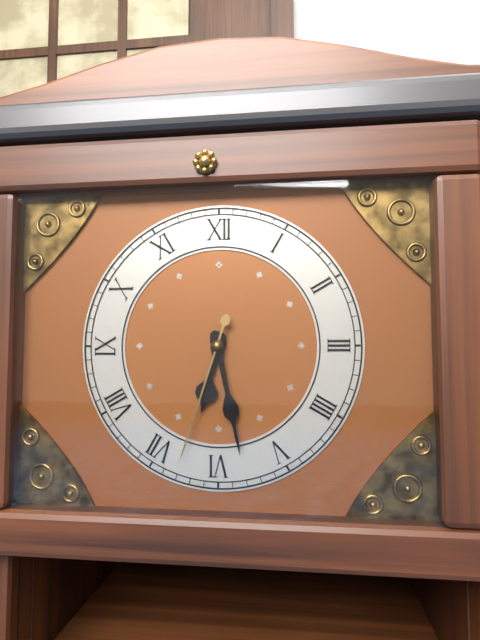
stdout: 6h28m33s
